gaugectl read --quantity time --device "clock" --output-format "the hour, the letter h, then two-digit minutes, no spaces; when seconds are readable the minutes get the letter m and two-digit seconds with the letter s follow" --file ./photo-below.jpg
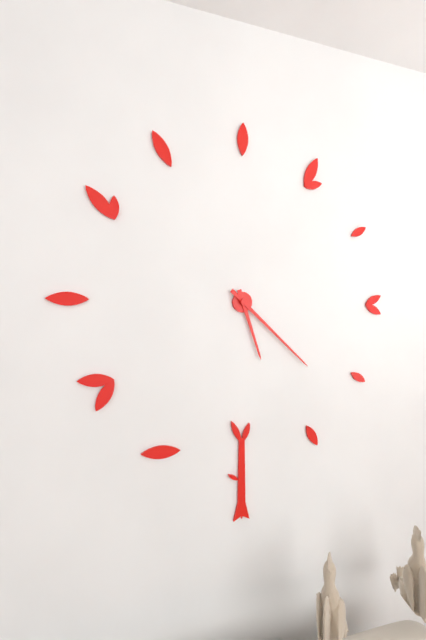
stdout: 5h22
